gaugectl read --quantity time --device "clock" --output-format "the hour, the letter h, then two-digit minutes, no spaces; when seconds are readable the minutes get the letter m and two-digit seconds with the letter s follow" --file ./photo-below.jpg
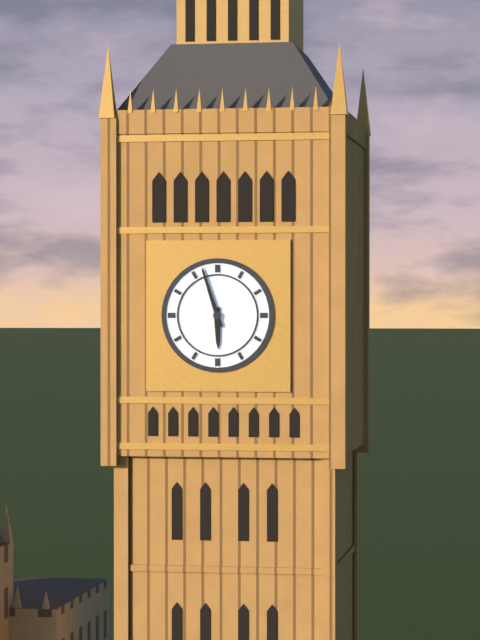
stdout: 5h57
